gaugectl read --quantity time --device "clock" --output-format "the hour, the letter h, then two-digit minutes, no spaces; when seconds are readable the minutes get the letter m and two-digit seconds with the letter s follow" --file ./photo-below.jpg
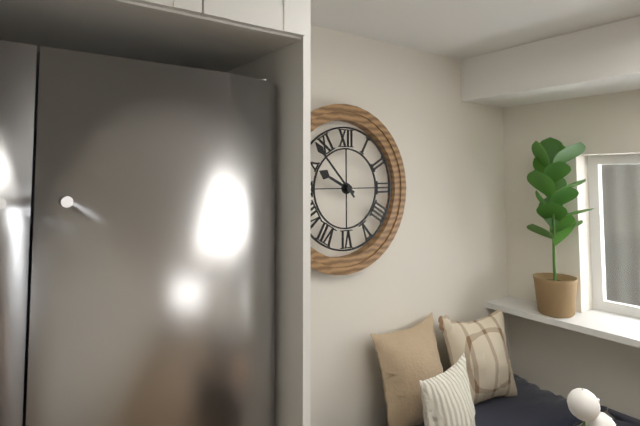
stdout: 9h53
